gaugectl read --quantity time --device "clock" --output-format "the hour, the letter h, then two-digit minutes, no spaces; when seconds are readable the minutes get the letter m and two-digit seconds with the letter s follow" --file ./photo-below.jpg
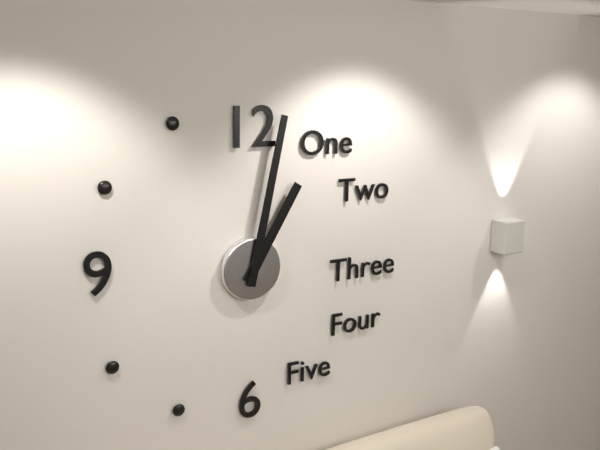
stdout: 1h02
